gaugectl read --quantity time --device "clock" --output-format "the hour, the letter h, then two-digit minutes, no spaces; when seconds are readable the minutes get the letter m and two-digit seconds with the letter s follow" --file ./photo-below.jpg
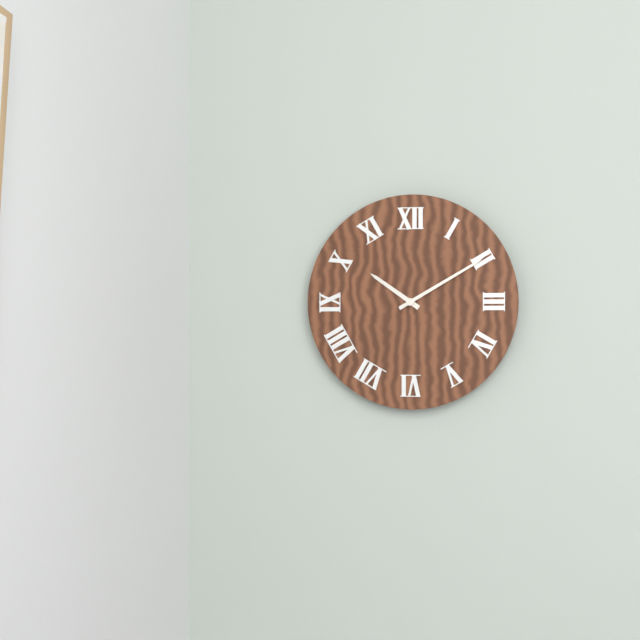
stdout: 10h10
